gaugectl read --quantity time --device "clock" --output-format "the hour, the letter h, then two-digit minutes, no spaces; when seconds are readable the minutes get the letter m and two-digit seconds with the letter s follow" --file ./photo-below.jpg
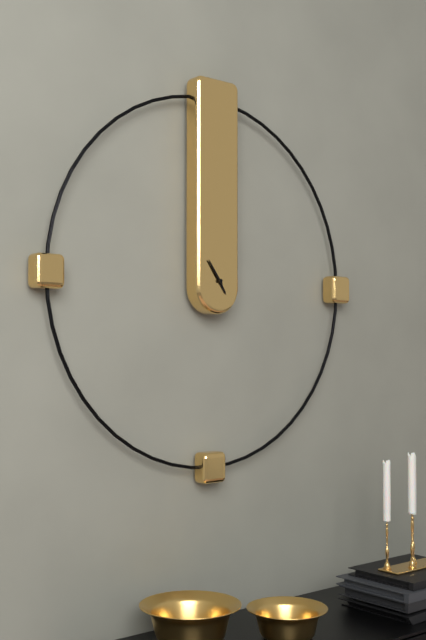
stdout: 4h54
